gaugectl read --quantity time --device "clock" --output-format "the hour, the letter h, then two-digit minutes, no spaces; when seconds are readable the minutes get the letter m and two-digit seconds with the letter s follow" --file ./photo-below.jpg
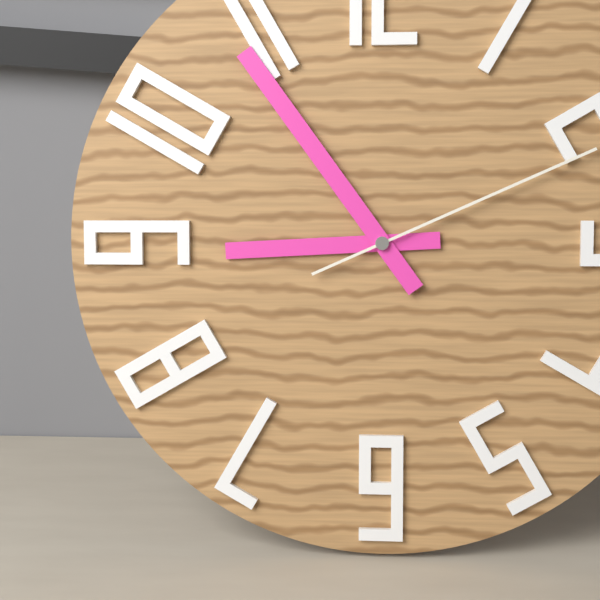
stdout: 8h54m11s
